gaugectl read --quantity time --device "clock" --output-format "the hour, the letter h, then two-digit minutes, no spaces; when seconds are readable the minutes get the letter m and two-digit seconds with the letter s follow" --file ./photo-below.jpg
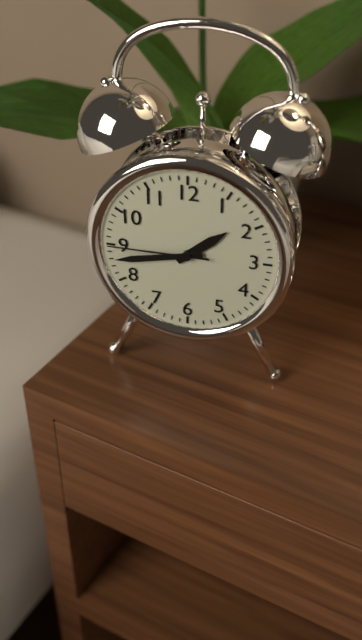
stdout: 1h43m45s
